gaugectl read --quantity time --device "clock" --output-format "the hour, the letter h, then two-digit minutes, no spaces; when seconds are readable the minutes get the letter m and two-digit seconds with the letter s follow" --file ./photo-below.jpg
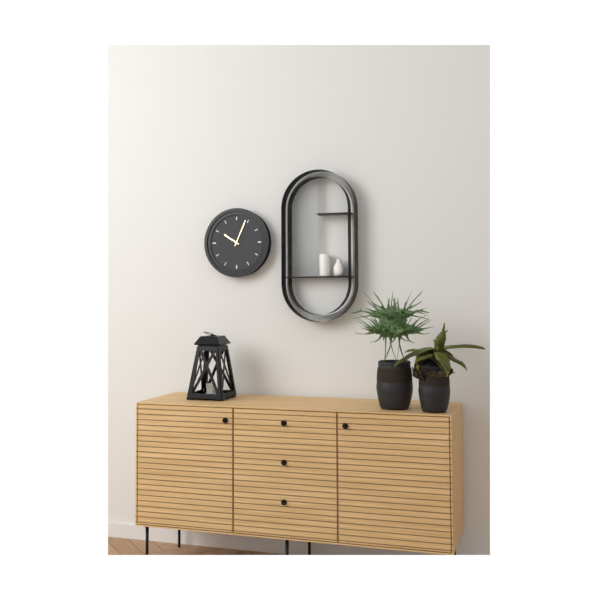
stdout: 10h04
